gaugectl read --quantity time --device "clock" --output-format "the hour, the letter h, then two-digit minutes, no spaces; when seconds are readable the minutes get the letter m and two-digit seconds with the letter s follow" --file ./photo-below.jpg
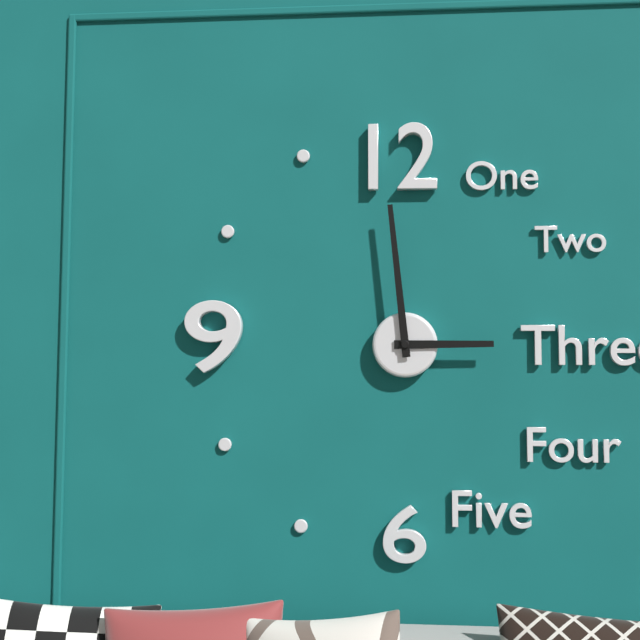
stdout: 2h59
